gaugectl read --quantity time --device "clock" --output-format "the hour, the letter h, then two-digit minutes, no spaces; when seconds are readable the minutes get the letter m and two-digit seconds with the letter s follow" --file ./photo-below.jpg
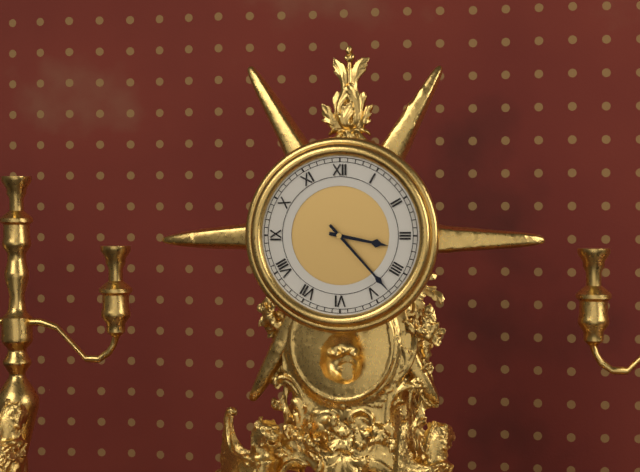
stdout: 3h23
